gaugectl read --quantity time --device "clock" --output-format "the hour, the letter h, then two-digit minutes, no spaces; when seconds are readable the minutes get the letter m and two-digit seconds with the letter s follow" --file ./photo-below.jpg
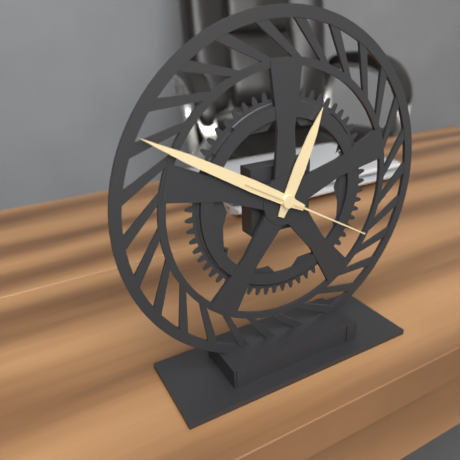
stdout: 12h50m20s
